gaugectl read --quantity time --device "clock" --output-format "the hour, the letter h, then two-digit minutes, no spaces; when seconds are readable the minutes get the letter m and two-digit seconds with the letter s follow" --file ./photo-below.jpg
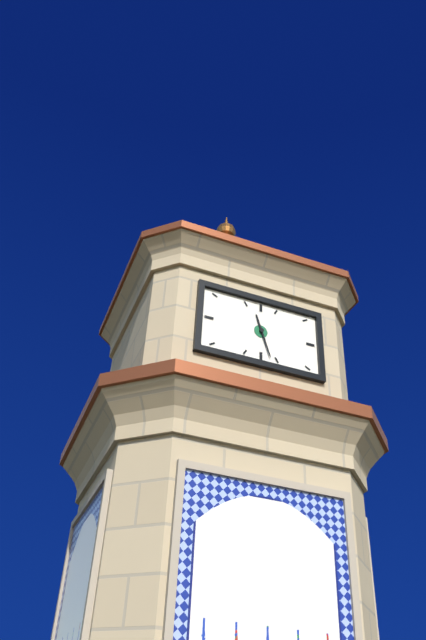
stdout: 11h27
